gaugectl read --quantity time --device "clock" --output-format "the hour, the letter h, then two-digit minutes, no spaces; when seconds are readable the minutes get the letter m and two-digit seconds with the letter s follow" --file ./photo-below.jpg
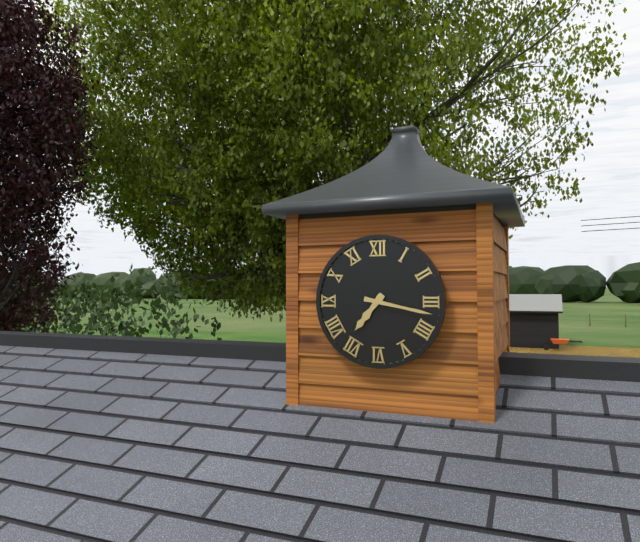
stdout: 7h17
